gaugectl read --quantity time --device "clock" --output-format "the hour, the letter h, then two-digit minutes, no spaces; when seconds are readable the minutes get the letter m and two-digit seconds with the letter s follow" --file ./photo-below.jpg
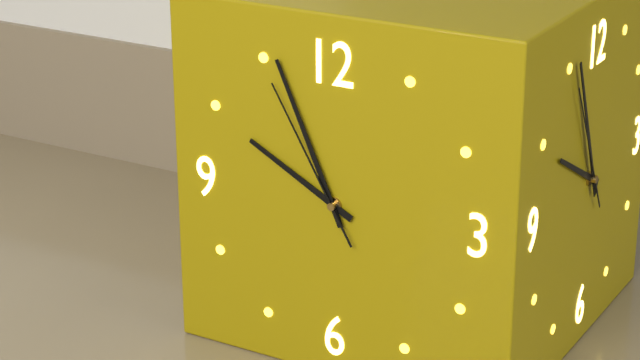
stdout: 9h56m55s
